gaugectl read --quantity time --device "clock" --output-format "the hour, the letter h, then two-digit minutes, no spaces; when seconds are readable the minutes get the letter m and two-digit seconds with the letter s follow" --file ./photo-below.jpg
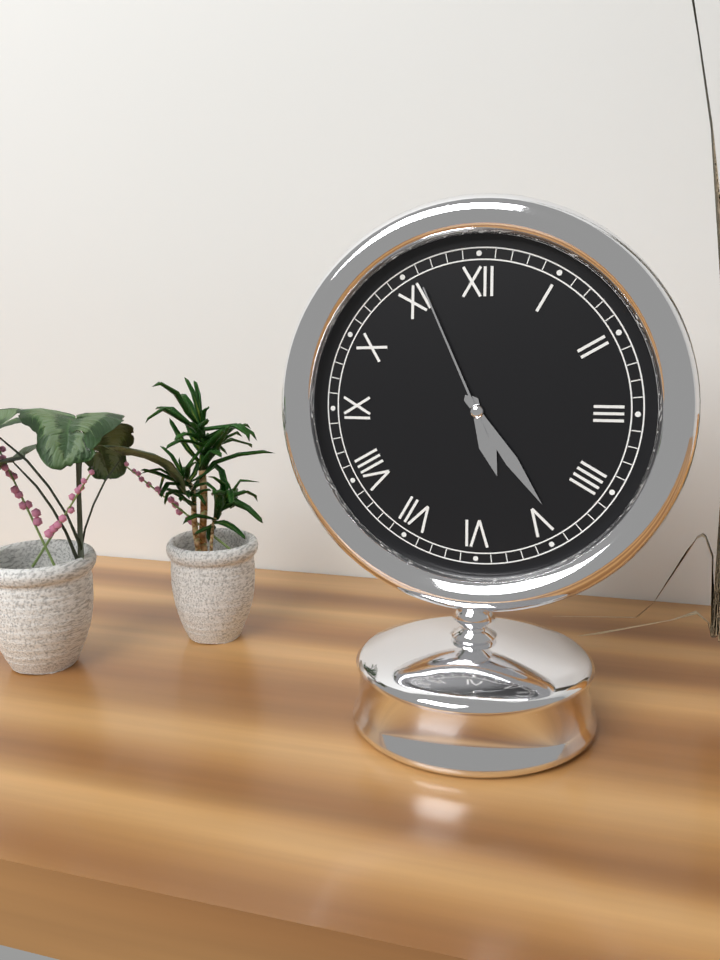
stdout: 5h24m56s
